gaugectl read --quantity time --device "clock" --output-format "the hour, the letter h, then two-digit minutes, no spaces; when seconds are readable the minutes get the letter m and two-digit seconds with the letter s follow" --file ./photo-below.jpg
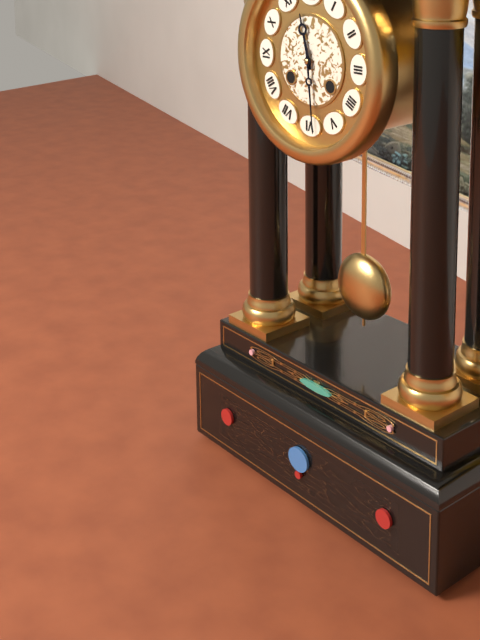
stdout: 11h29
